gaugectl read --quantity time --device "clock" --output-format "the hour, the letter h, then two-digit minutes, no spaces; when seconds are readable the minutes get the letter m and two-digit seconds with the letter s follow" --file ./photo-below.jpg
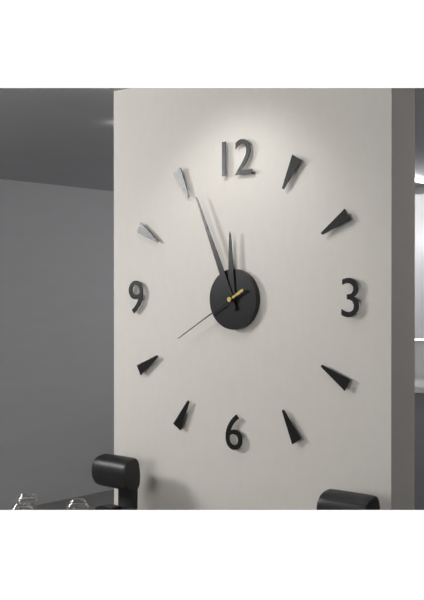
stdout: 11h56m40s
